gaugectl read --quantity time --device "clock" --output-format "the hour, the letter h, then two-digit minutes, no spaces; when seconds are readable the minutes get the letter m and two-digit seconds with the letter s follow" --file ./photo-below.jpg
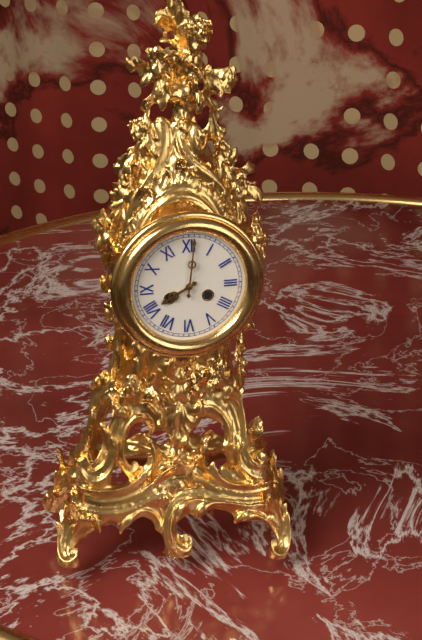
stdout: 8h01
